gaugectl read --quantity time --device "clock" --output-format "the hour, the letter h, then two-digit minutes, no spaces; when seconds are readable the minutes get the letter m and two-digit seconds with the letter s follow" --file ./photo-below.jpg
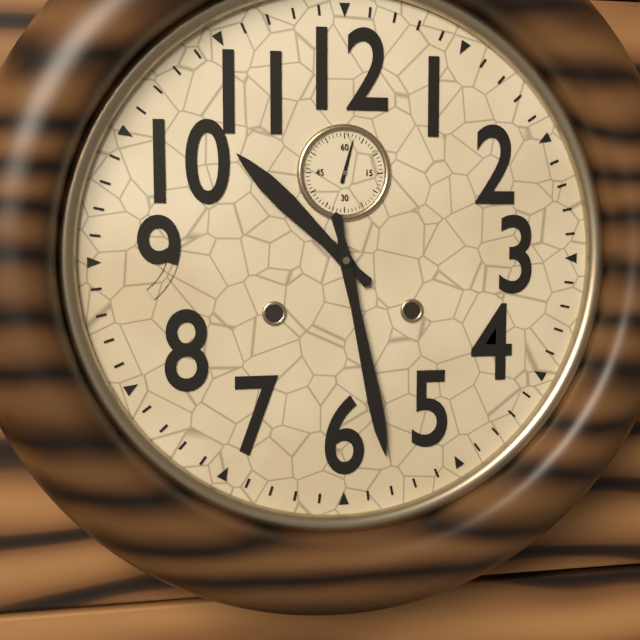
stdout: 10h28
